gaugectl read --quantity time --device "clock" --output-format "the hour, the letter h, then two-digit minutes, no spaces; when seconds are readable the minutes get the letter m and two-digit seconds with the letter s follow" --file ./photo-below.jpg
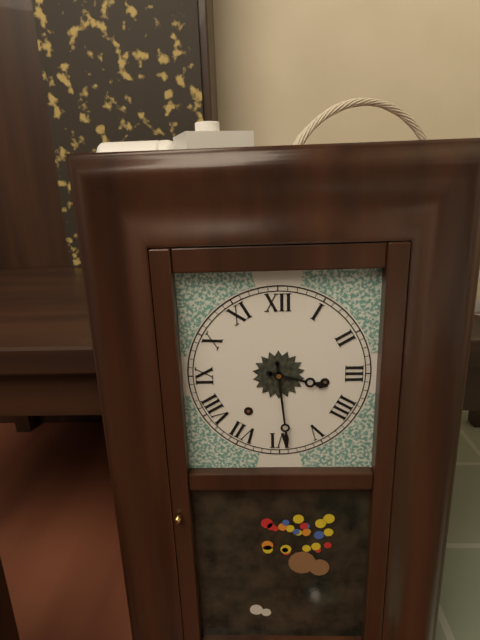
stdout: 3h29
